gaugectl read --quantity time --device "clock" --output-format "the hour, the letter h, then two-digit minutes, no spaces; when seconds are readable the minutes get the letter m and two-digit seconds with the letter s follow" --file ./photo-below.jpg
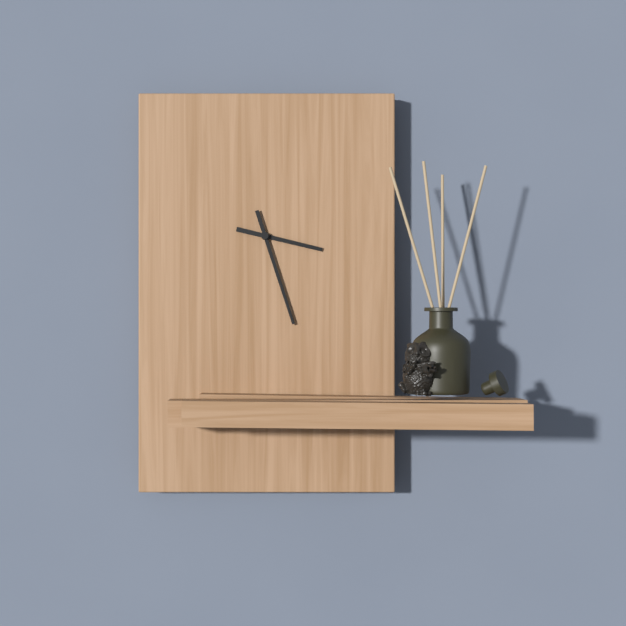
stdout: 3h27
